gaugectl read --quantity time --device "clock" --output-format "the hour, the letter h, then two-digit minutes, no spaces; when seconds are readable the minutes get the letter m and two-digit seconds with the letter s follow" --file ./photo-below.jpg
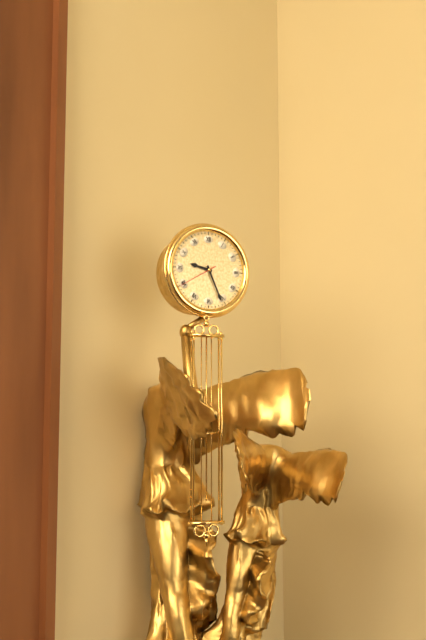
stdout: 9h26
